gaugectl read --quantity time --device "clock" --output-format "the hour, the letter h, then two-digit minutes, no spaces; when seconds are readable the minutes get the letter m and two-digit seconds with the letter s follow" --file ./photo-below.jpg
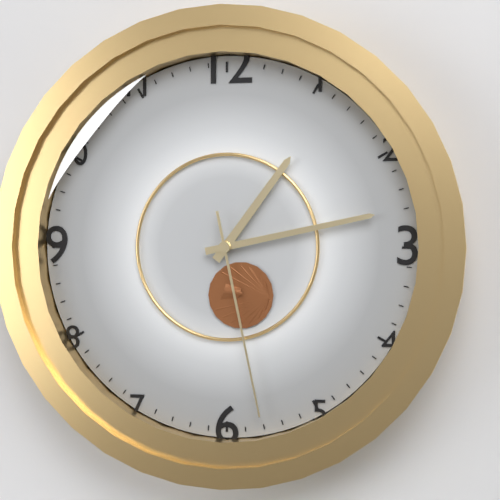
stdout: 1h13m28s
